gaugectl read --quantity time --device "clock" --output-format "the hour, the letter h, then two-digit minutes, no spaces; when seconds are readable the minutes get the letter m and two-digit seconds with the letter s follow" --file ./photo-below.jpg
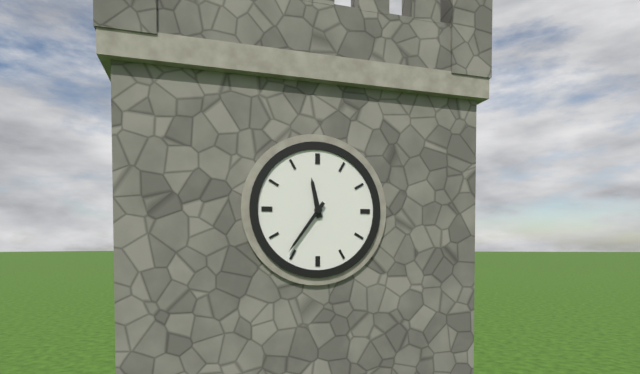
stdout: 11h36
